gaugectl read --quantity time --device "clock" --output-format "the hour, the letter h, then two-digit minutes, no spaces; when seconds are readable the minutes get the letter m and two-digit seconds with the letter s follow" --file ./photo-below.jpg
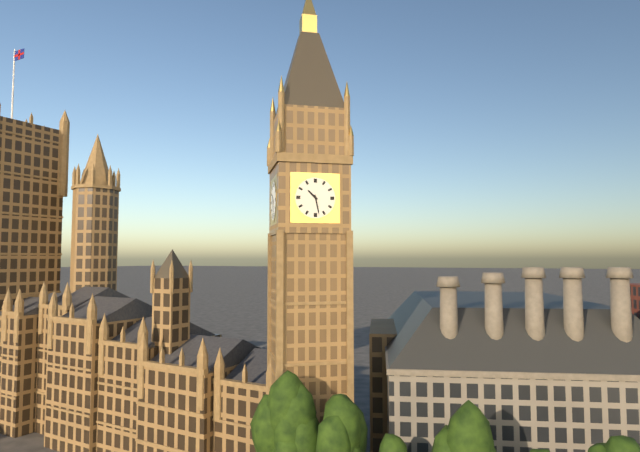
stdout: 10h28
